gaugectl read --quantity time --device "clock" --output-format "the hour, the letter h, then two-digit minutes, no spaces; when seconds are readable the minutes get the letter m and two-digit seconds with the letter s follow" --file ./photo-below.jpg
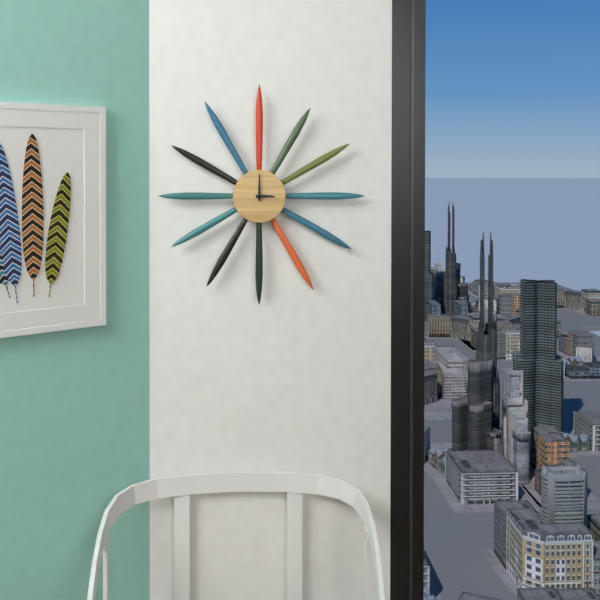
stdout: 3h00
